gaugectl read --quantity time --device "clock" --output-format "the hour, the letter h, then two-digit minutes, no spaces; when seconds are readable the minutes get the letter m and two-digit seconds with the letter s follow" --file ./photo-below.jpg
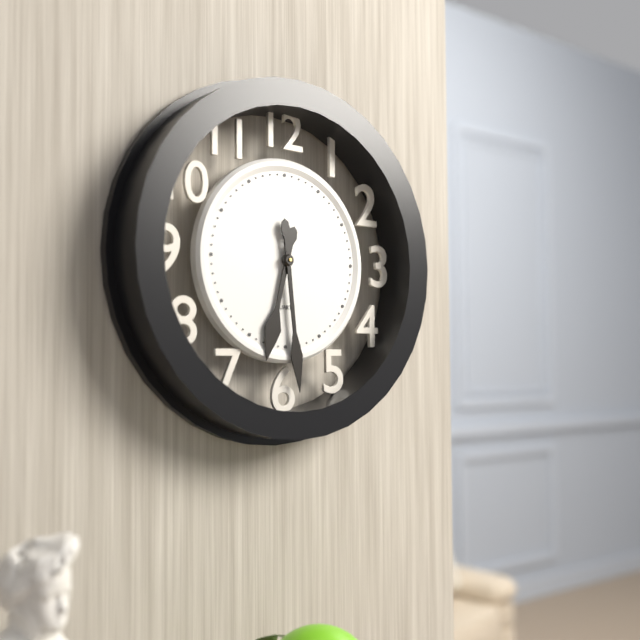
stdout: 6h29
